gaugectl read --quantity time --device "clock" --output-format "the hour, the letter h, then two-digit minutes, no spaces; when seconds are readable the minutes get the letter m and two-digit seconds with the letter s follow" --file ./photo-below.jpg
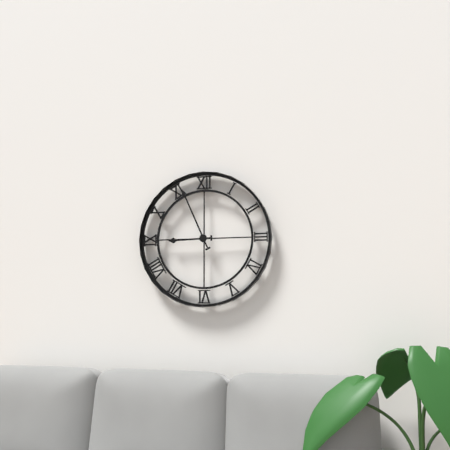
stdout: 8h56
